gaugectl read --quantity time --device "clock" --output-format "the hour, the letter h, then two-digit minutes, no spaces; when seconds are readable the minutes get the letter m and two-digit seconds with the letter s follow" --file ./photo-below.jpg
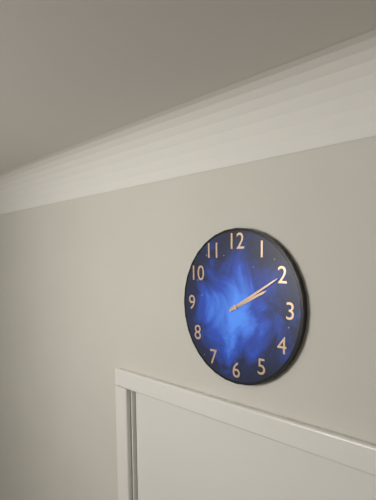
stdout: 2h10
